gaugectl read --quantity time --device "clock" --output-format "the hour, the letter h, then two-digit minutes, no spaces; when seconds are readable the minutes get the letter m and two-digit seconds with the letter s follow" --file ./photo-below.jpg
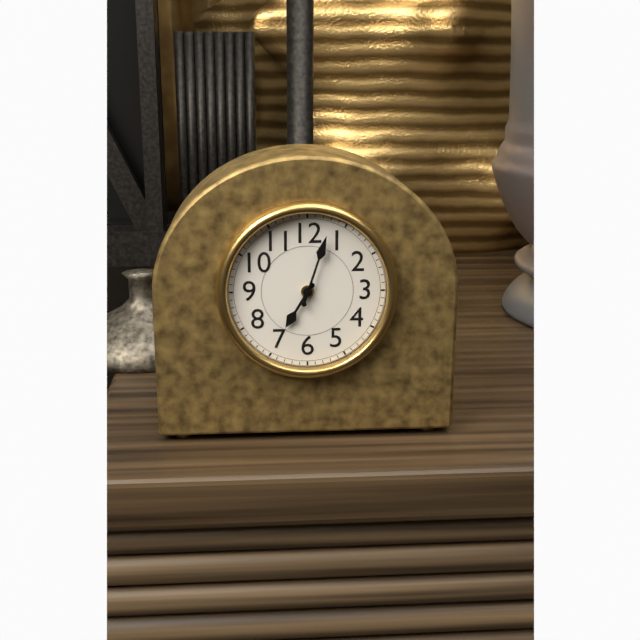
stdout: 7h03
